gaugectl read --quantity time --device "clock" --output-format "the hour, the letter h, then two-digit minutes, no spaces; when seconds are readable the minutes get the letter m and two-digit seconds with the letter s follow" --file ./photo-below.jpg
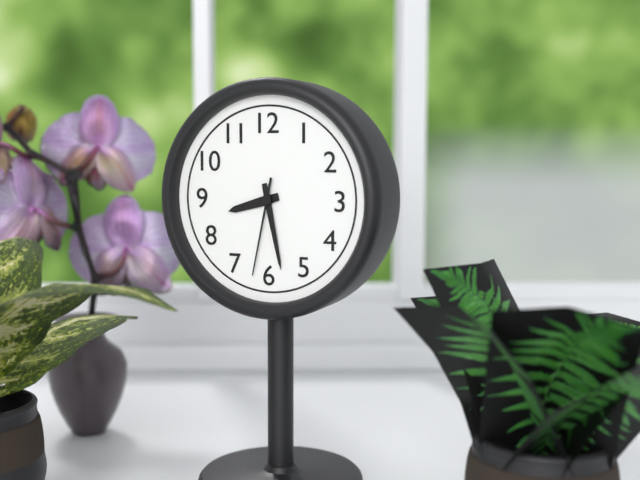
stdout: 8h28m32s
